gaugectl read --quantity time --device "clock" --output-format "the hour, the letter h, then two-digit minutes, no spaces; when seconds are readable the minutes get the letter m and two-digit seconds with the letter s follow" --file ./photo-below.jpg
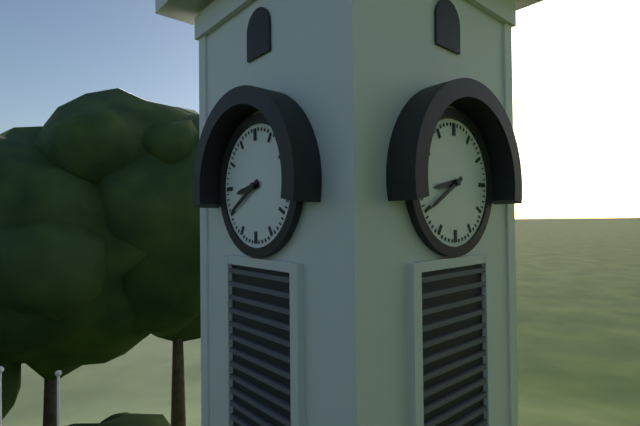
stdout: 8h40
